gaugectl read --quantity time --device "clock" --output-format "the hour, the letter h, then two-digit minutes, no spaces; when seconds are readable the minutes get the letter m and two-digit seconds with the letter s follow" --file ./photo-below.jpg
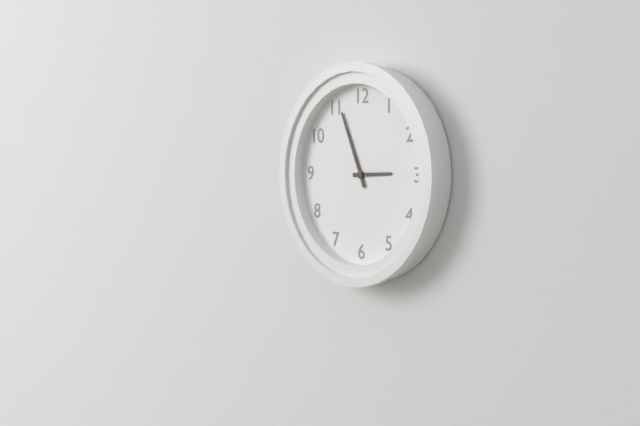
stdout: 2h56
